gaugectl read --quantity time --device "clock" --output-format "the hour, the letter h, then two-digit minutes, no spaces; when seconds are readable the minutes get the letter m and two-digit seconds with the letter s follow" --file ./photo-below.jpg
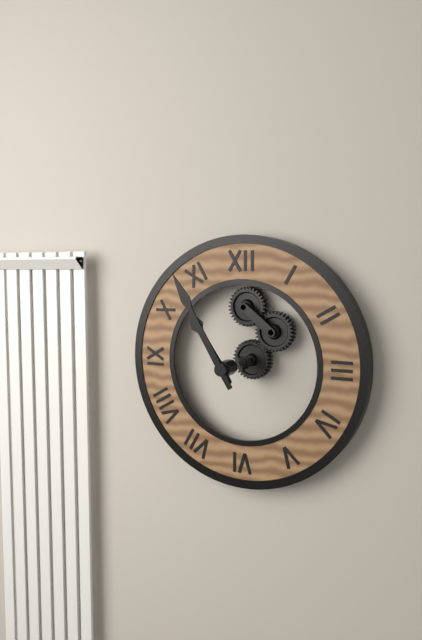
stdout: 10h55
